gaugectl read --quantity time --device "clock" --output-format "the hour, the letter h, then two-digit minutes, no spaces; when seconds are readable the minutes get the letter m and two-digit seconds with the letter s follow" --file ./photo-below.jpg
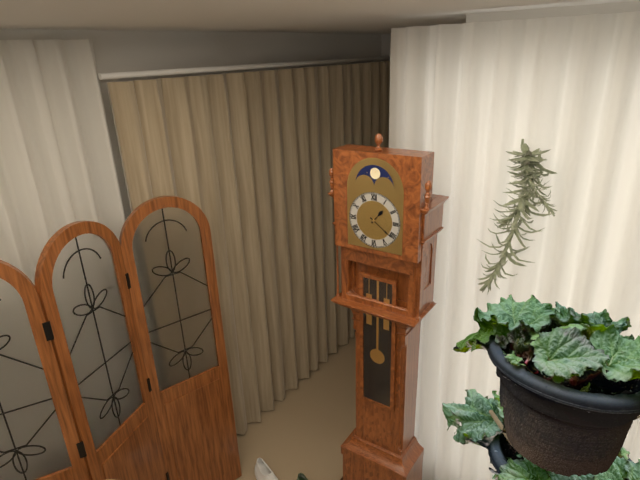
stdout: 1h21
